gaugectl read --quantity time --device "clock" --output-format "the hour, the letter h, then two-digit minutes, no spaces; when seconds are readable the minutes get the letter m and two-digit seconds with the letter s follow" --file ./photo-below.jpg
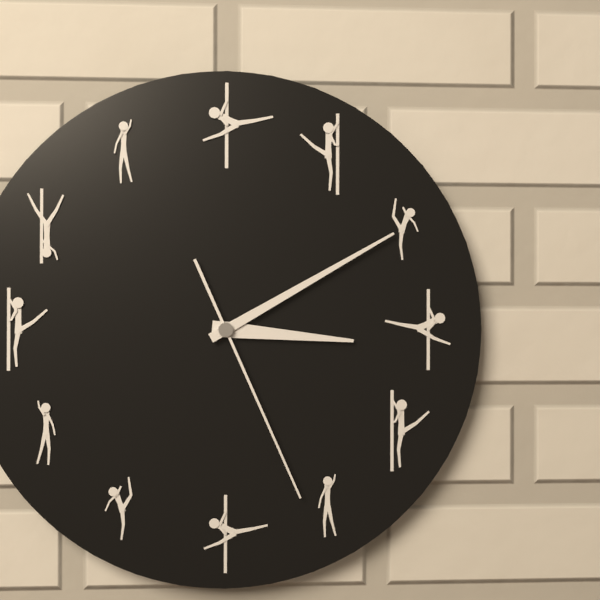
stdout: 3h10m26s
